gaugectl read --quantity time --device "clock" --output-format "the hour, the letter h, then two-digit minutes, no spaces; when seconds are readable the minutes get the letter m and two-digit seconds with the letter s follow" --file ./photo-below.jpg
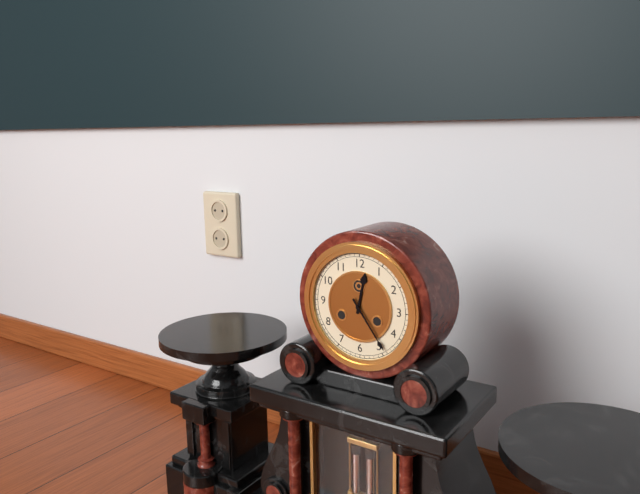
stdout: 12h24
